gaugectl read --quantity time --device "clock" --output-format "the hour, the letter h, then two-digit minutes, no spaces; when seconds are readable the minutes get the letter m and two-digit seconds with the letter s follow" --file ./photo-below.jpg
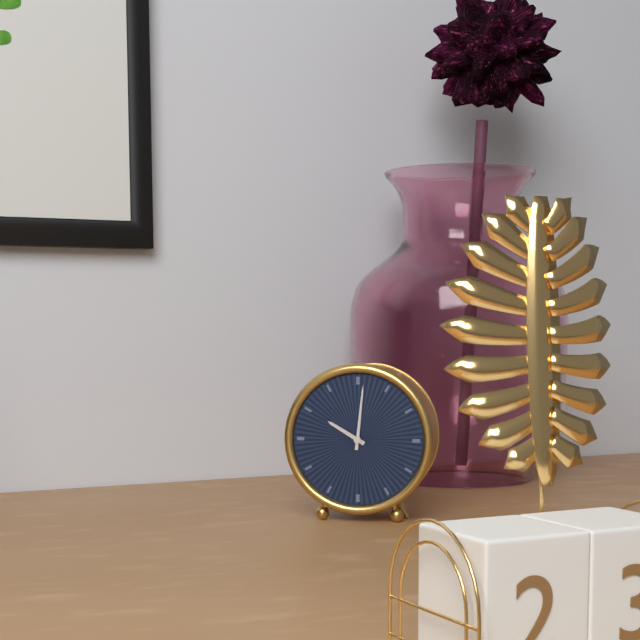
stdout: 10h01
